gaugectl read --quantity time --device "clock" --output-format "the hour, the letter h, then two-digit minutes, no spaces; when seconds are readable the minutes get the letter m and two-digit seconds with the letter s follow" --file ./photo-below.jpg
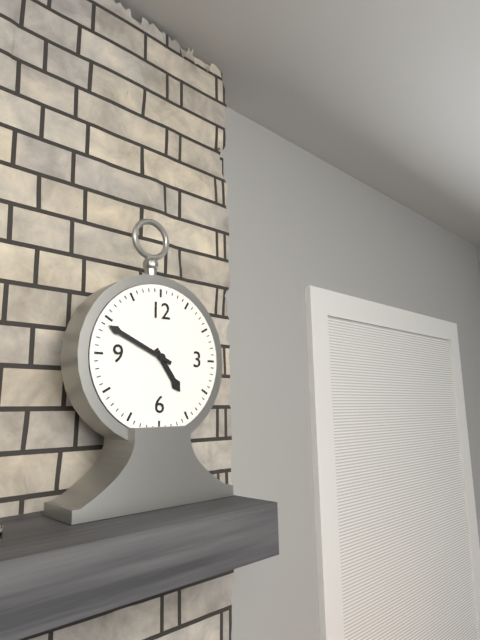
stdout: 4h49
